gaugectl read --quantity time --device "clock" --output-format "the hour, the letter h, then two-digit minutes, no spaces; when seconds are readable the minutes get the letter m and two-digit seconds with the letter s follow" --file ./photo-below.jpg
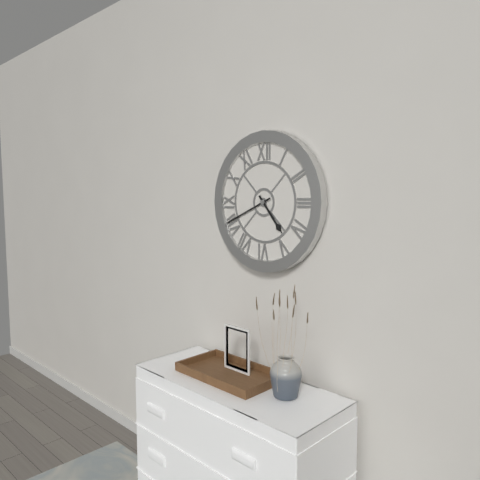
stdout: 4h41
